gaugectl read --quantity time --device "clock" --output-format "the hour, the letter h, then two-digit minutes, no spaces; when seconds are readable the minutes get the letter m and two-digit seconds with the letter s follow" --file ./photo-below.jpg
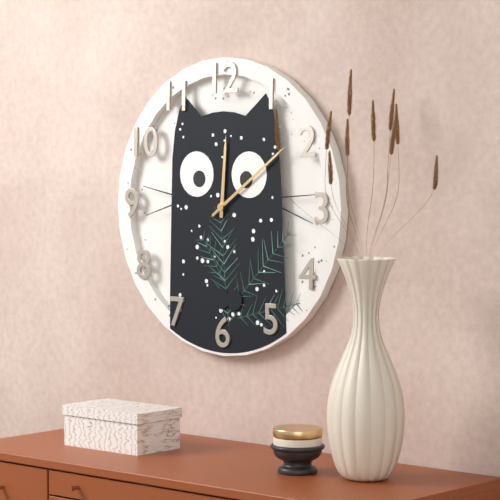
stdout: 12h09
